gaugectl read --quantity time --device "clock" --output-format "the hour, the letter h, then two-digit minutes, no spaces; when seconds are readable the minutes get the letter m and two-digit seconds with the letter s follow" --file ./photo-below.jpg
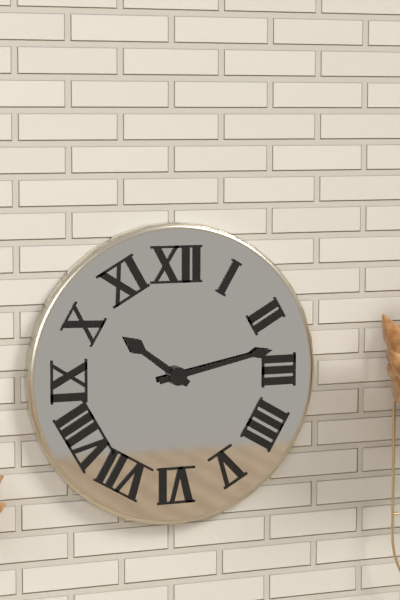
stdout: 10h13
